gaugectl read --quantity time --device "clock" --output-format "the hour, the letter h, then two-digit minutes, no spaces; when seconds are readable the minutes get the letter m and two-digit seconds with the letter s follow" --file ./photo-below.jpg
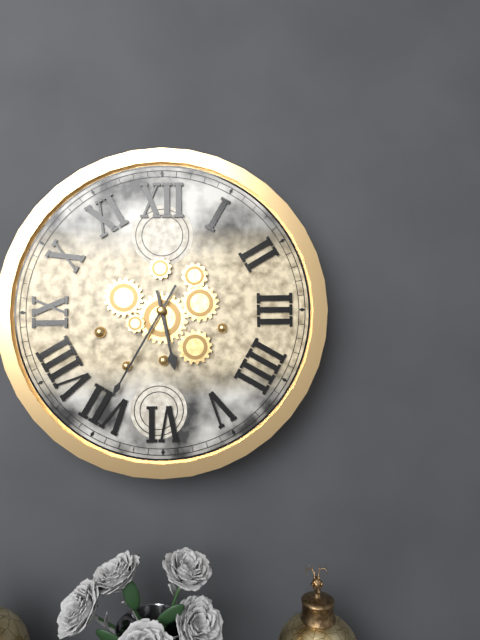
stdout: 5h35
